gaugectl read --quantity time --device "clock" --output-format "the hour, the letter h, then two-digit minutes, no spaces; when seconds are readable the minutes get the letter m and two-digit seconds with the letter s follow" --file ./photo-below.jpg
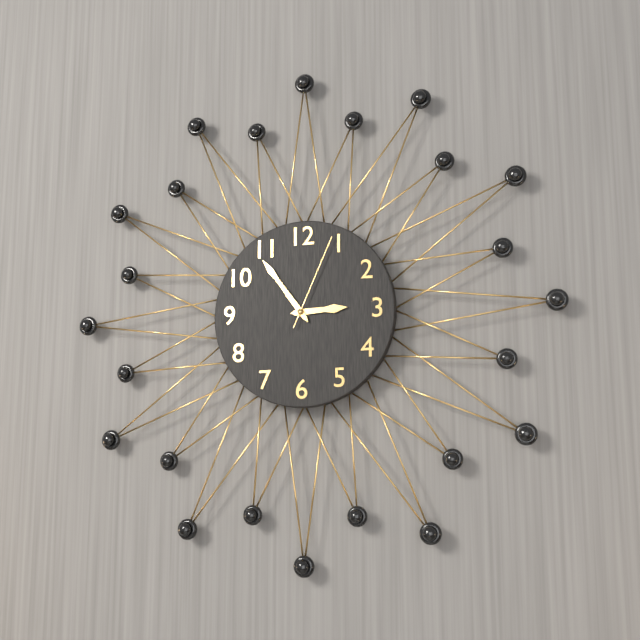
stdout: 2h54m04s
